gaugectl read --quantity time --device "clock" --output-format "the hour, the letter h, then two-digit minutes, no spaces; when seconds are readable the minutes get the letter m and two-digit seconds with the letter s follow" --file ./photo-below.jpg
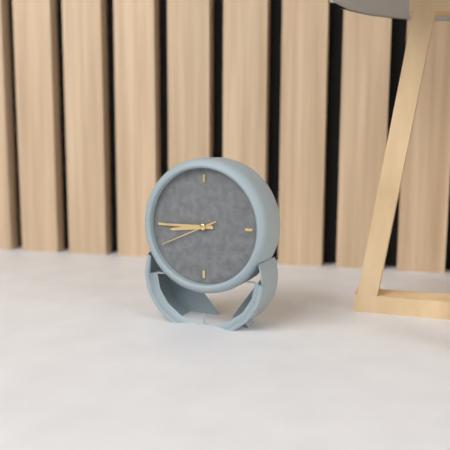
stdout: 8h45m41s
